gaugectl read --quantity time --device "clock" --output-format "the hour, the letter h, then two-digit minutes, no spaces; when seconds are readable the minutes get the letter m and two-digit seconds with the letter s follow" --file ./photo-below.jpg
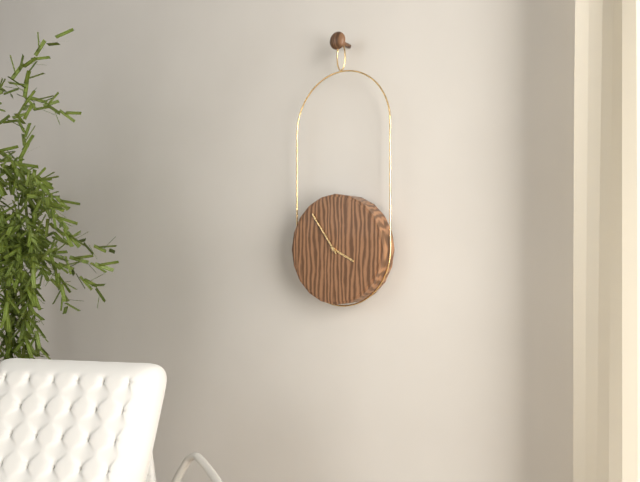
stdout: 3h54
